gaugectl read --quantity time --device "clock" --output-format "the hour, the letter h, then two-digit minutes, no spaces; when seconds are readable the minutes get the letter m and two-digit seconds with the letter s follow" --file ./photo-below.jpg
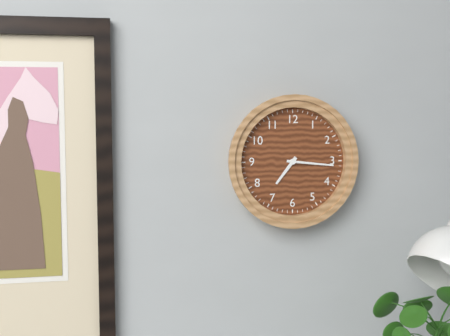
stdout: 7h16
